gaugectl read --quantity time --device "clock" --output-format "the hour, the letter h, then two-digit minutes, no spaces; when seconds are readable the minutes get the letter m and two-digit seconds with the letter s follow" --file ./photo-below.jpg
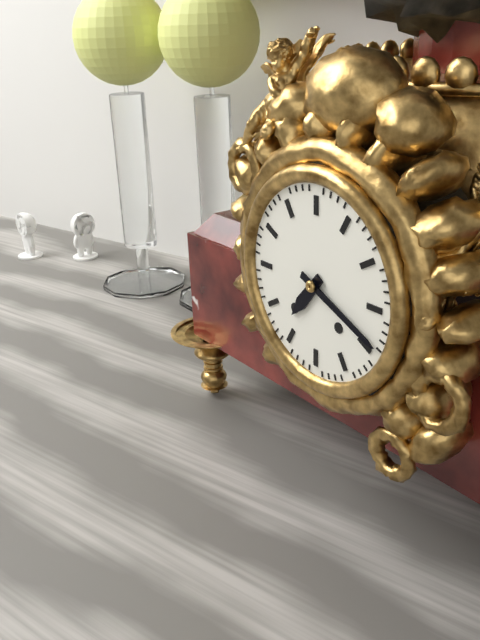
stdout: 7h19
